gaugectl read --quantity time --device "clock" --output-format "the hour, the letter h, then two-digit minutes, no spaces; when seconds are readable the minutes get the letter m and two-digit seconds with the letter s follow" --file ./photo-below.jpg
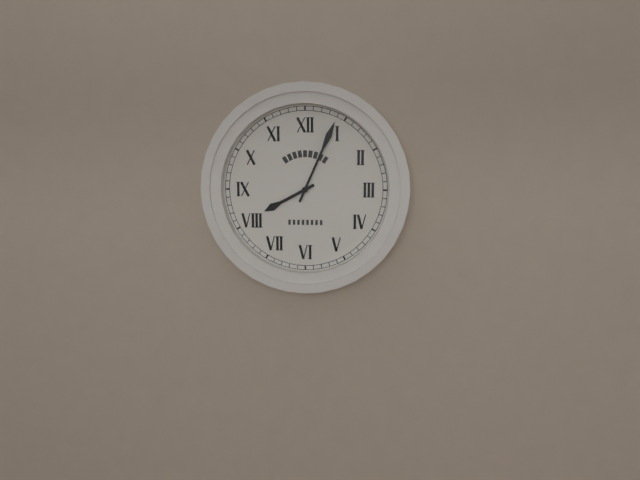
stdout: 8h04
